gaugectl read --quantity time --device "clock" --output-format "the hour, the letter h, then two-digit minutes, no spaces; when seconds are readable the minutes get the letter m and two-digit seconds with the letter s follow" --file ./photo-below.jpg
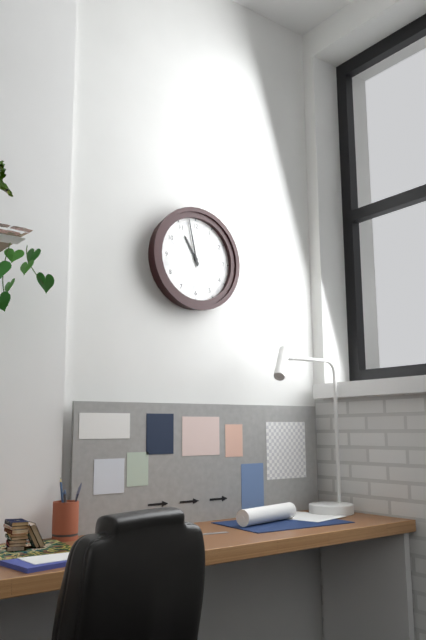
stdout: 10h58
